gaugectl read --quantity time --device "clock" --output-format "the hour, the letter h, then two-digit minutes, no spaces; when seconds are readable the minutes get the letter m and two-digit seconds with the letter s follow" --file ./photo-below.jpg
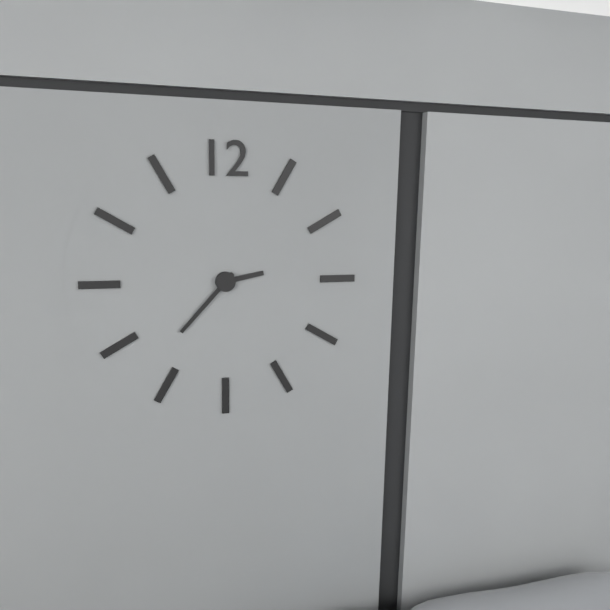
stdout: 2h37
